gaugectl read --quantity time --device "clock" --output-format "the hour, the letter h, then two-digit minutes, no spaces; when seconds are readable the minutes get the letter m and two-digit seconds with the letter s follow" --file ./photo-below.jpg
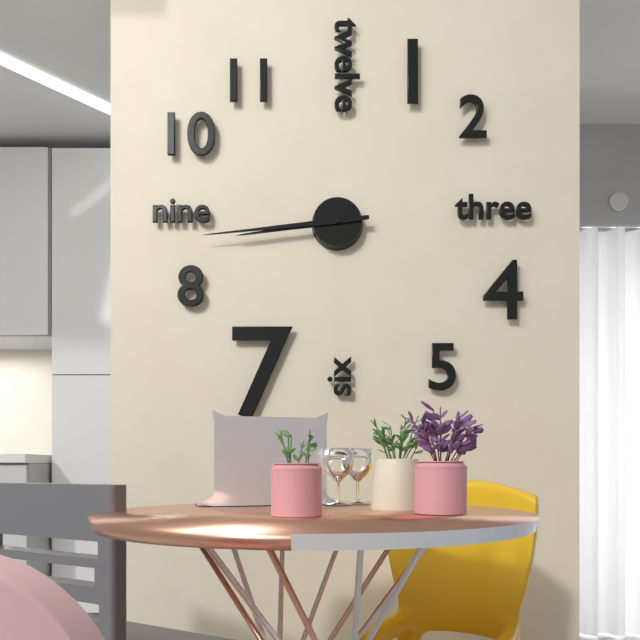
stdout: 8h44
